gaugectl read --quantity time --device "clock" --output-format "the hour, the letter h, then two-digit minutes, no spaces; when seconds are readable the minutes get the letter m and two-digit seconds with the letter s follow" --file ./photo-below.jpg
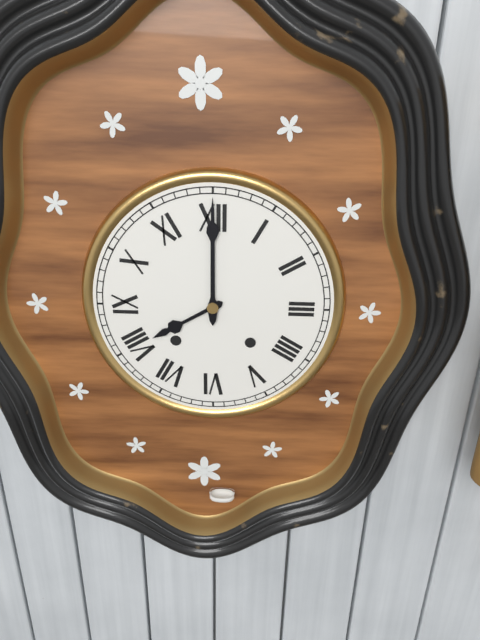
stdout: 8h00
